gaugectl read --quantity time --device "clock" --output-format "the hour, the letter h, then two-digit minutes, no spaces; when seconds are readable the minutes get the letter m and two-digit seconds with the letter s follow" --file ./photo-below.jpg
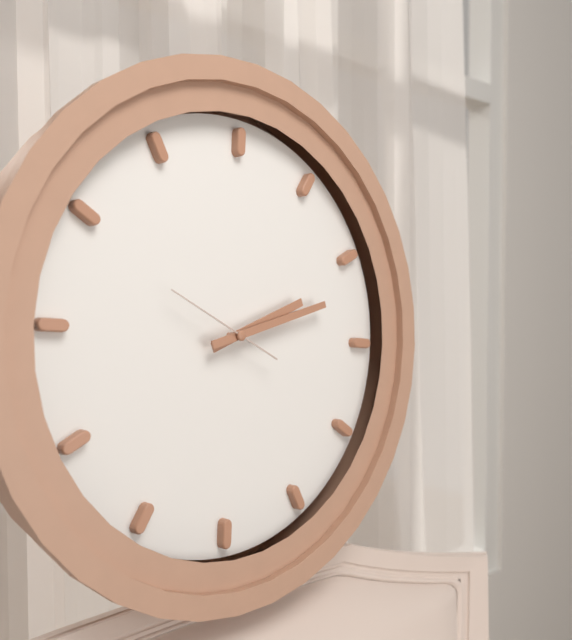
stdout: 2h12m49s
